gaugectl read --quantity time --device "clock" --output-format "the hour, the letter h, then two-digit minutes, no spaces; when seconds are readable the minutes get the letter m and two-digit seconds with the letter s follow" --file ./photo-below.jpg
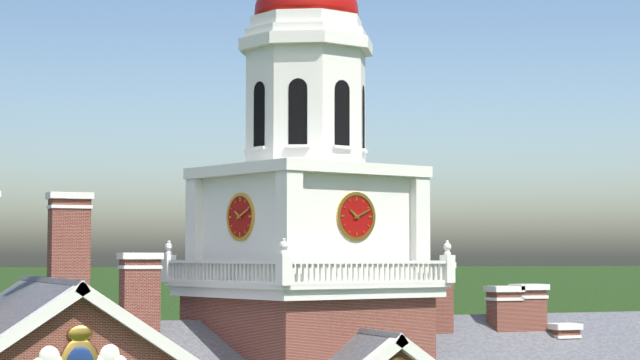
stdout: 10h11
